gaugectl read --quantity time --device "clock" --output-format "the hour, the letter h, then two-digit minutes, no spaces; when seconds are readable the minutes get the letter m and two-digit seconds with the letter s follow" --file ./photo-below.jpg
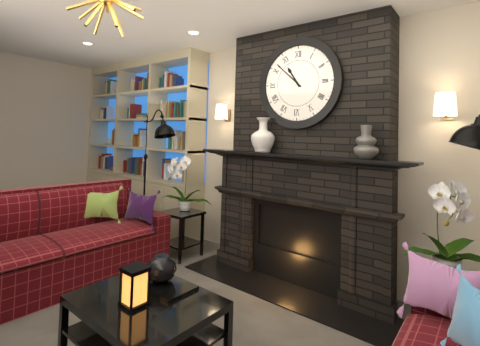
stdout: 10h52
